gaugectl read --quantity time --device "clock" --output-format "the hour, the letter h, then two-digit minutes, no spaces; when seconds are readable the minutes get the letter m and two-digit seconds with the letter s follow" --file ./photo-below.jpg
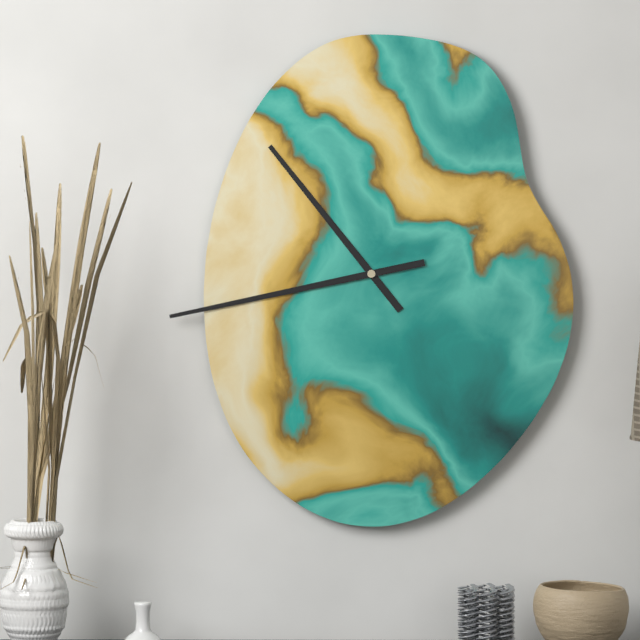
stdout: 10h43
